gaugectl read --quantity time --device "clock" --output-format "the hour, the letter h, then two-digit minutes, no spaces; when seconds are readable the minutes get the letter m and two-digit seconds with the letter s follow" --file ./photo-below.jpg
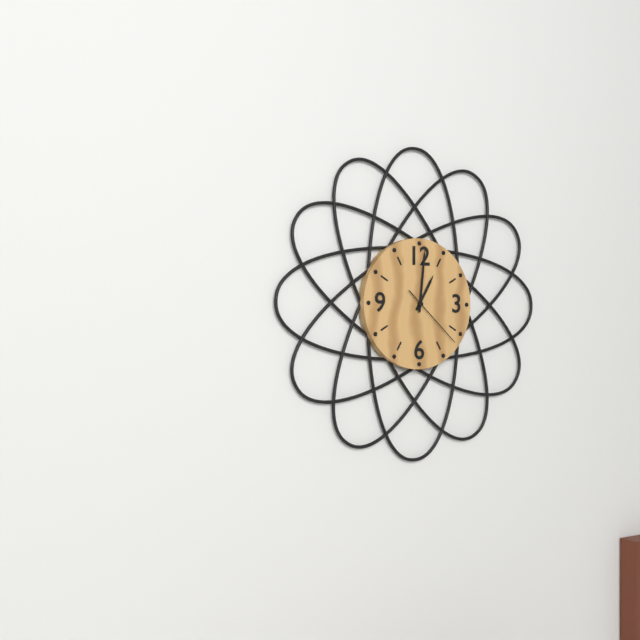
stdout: 1h01m22s
